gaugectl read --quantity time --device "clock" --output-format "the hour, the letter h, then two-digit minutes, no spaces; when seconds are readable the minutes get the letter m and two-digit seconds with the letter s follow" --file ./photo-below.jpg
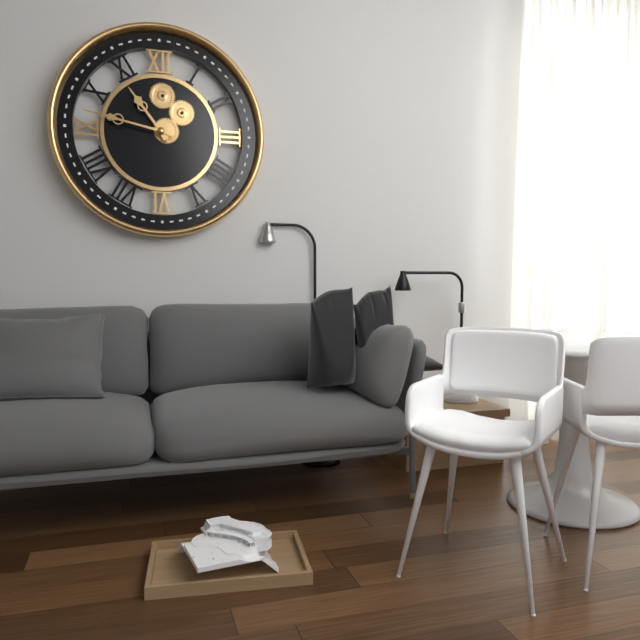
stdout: 10h47
